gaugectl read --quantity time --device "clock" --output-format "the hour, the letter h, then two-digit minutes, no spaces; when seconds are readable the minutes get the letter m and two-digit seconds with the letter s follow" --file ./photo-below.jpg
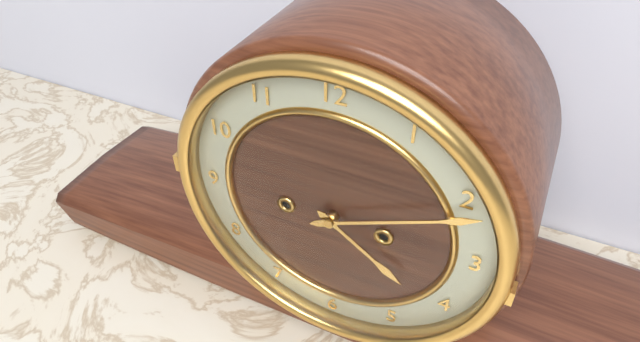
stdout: 4h11
